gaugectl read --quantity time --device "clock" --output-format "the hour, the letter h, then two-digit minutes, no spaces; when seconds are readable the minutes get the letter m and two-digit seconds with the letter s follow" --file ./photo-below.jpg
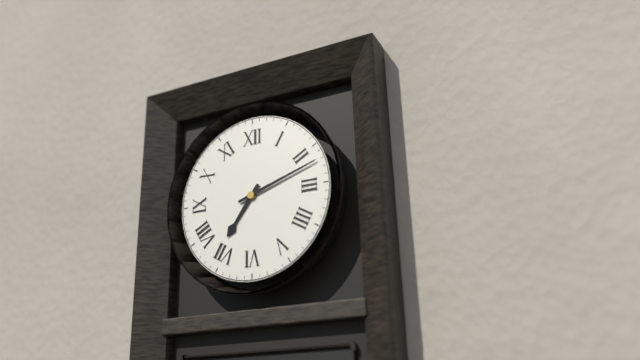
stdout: 7h12
